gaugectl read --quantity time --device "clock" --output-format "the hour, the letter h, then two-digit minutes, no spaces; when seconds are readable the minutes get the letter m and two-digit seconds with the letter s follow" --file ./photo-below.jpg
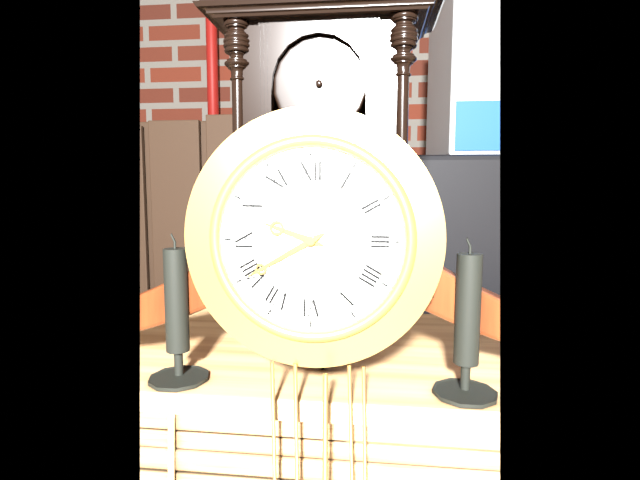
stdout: 9h40
